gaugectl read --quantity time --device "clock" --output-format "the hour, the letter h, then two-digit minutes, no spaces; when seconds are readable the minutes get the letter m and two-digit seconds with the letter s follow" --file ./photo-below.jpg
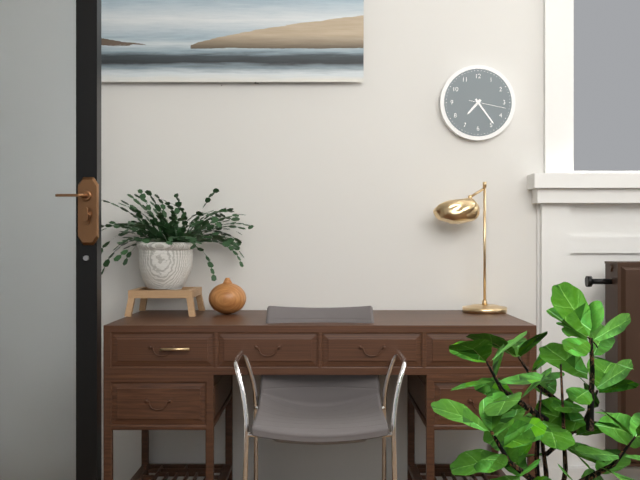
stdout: 7h24
